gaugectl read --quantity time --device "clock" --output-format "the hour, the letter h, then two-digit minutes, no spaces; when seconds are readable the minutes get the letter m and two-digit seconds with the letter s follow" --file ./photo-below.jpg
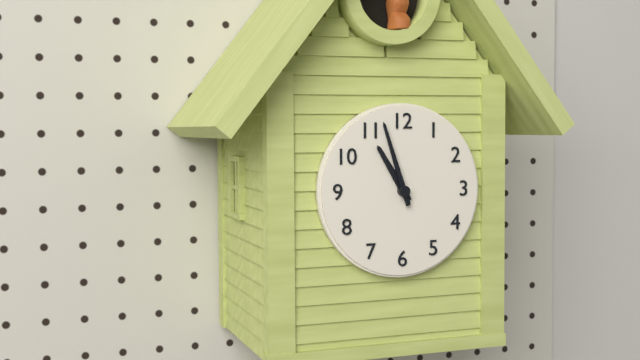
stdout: 10h57
